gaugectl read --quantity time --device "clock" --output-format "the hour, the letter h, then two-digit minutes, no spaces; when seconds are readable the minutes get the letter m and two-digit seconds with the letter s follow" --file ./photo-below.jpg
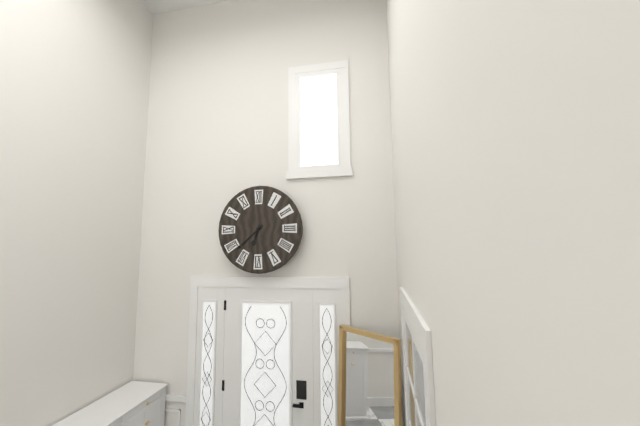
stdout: 6h38
